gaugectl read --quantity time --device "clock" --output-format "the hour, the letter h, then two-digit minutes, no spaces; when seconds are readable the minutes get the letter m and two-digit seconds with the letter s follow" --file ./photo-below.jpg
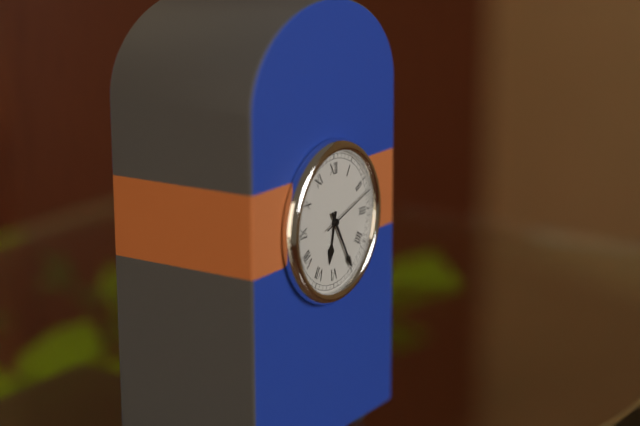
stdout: 6h25m12s
